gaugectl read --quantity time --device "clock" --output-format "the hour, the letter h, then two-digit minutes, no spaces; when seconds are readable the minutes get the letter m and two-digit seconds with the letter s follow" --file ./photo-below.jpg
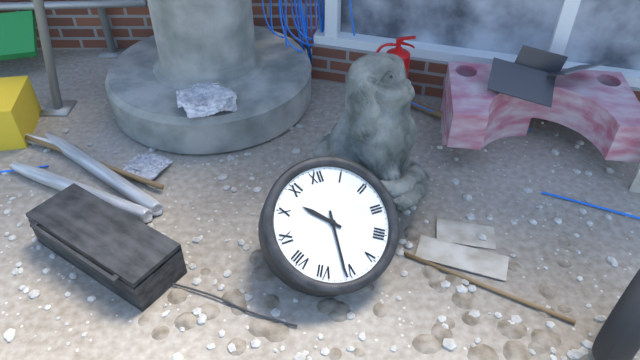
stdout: 10h31
